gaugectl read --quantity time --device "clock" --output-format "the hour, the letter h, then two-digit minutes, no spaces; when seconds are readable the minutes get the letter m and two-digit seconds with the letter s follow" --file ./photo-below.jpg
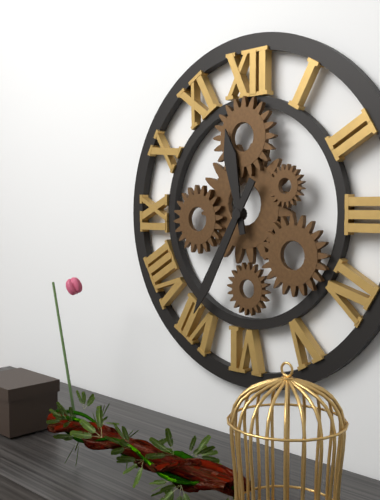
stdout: 11h35
